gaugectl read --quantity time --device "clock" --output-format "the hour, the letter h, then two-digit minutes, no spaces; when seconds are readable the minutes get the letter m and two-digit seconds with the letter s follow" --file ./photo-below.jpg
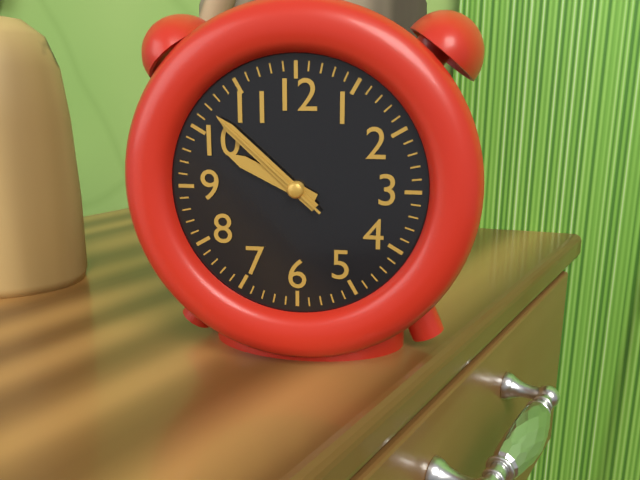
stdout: 9h52m52s
